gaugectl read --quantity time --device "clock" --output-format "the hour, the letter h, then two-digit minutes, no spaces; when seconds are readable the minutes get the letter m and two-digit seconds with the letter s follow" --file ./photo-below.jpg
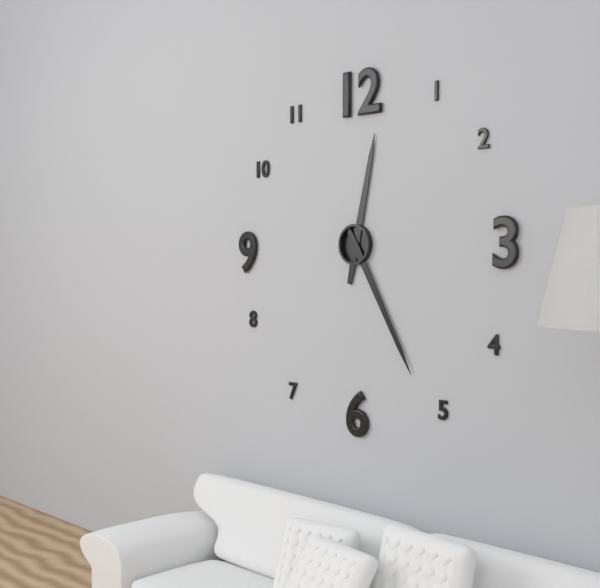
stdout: 12h25
